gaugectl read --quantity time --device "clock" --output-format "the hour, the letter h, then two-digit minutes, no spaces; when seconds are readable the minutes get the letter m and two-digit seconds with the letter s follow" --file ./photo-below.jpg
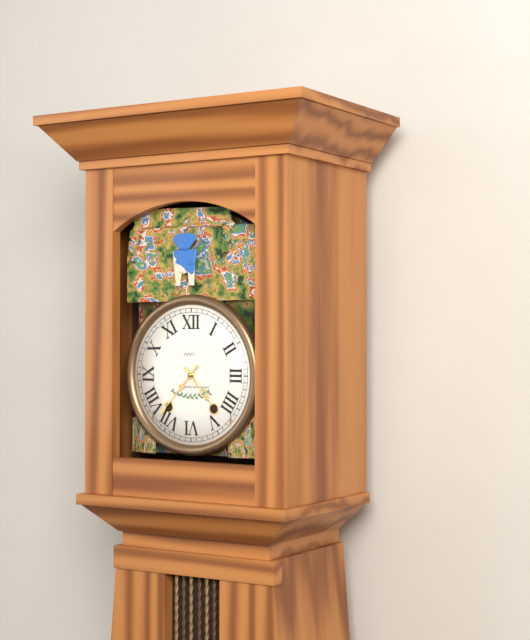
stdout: 4h37
